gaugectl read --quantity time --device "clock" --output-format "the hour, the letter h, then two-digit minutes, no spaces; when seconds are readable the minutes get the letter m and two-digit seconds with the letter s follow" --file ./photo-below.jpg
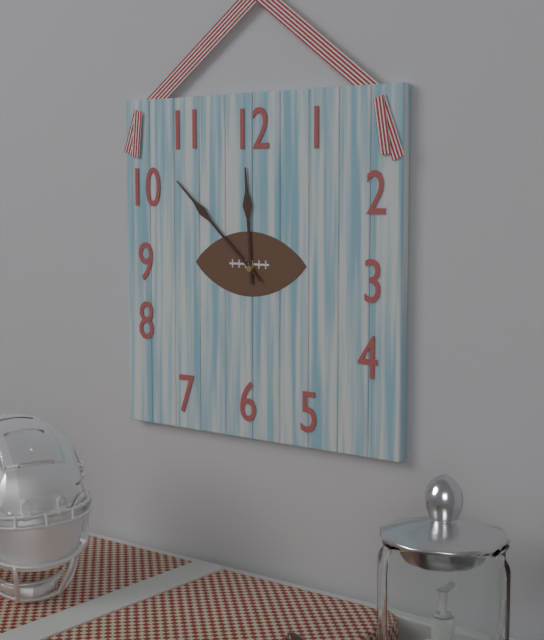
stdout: 11h52
